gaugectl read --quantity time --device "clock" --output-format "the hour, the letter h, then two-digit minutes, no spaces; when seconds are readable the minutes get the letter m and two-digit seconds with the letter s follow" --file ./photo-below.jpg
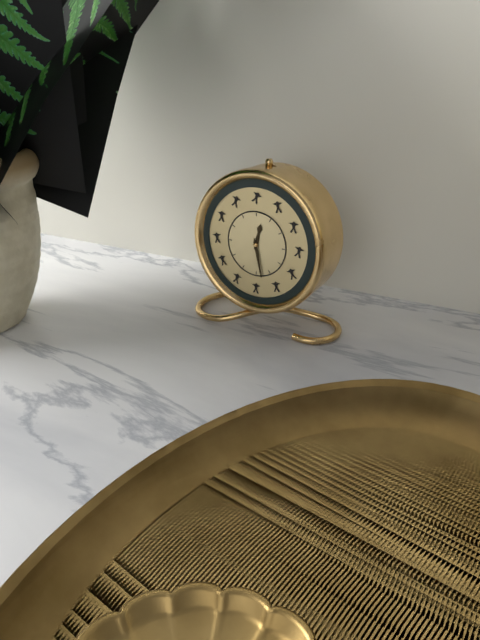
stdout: 12h28
